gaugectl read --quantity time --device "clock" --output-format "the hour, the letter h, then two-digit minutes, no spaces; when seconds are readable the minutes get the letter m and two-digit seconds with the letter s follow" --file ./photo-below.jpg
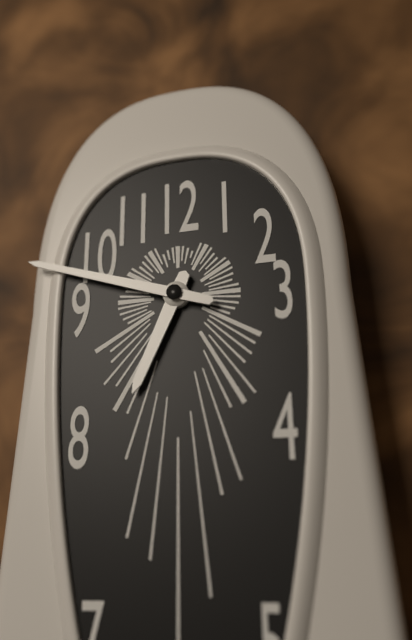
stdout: 6h48
